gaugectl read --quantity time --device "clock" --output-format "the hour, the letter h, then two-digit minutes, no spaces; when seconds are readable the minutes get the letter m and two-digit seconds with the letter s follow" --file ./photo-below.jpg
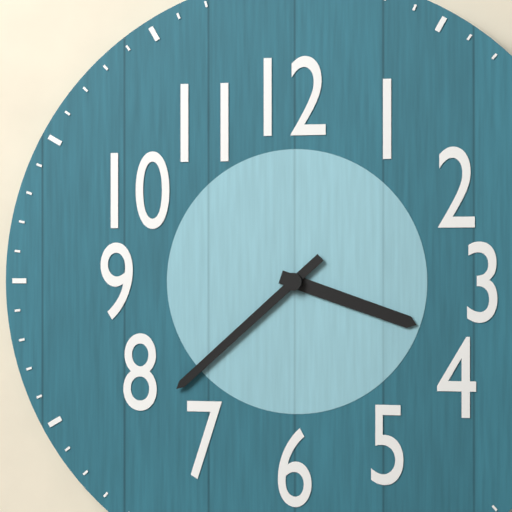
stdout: 3h38
